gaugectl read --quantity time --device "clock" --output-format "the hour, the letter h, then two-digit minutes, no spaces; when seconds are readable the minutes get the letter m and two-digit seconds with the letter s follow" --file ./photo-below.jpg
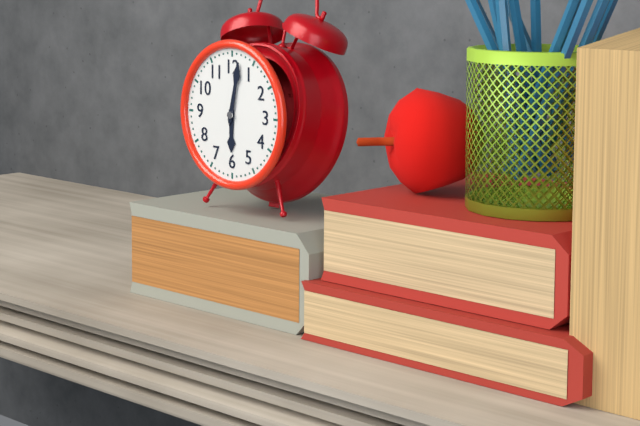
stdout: 6h02
